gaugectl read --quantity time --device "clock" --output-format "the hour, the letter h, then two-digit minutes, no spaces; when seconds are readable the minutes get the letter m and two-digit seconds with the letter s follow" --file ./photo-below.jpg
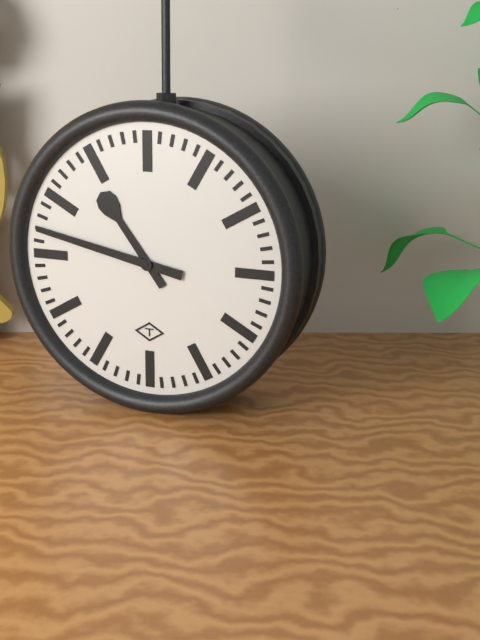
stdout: 10h47
